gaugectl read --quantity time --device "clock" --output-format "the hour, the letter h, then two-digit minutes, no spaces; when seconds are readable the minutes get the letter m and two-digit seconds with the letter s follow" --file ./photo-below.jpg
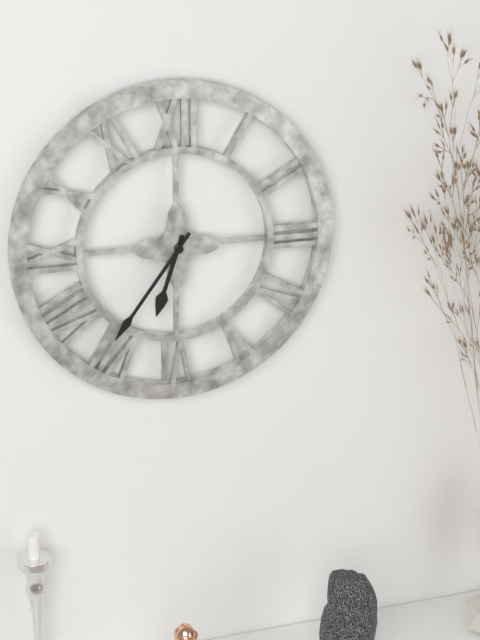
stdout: 6h36
